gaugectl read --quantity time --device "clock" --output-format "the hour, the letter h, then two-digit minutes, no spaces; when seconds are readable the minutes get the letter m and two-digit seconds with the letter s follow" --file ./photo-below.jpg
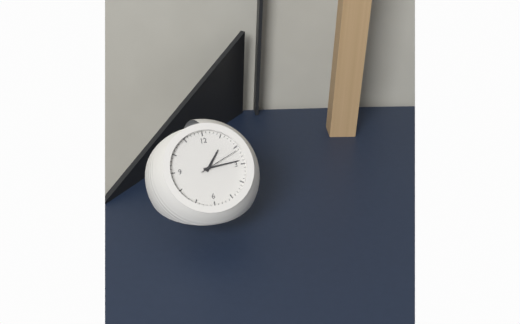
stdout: 1h14
